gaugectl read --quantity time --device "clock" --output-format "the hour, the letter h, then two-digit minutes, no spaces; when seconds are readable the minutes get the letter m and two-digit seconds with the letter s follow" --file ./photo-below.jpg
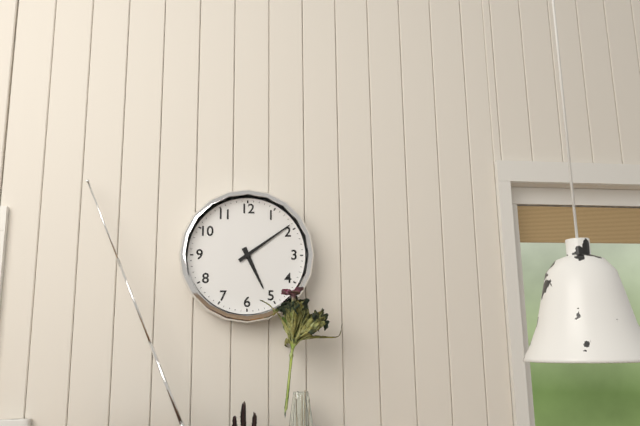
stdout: 5h09
